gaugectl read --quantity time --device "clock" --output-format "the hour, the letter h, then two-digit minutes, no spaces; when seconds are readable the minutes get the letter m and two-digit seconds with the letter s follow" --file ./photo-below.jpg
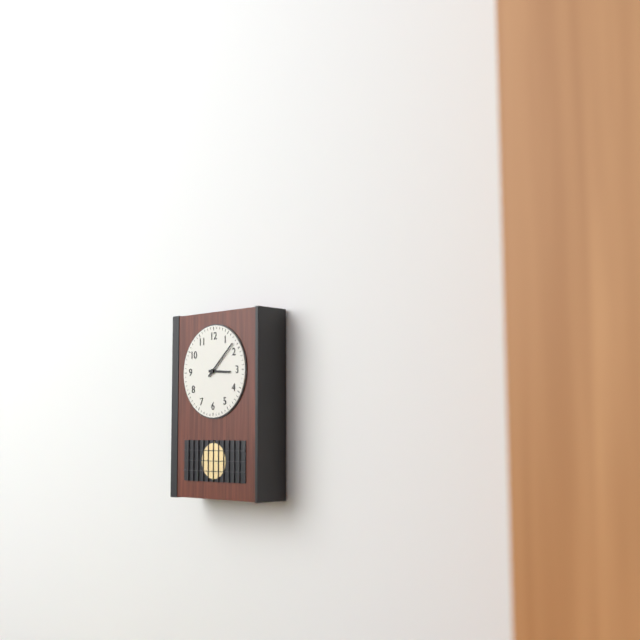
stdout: 3h08
